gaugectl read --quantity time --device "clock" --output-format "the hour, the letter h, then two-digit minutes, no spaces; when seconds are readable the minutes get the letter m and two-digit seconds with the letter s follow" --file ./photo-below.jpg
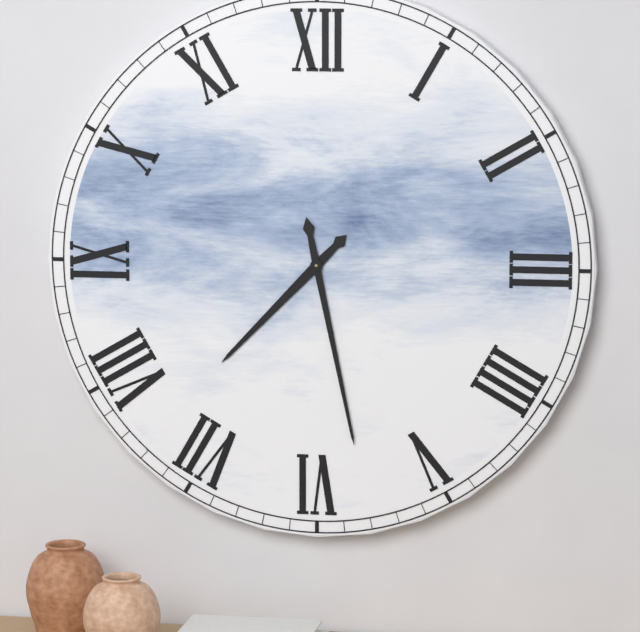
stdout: 7h28
